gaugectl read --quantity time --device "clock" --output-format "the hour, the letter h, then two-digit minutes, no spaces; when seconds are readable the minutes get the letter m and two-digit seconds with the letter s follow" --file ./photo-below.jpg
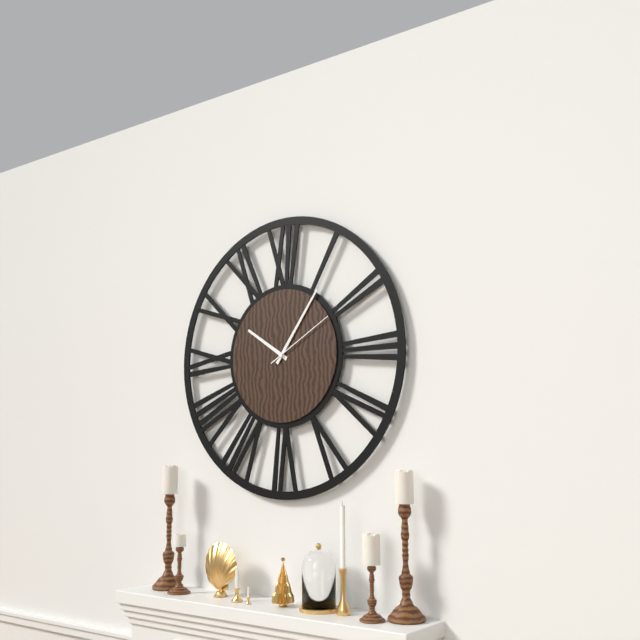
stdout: 10h06m10s
